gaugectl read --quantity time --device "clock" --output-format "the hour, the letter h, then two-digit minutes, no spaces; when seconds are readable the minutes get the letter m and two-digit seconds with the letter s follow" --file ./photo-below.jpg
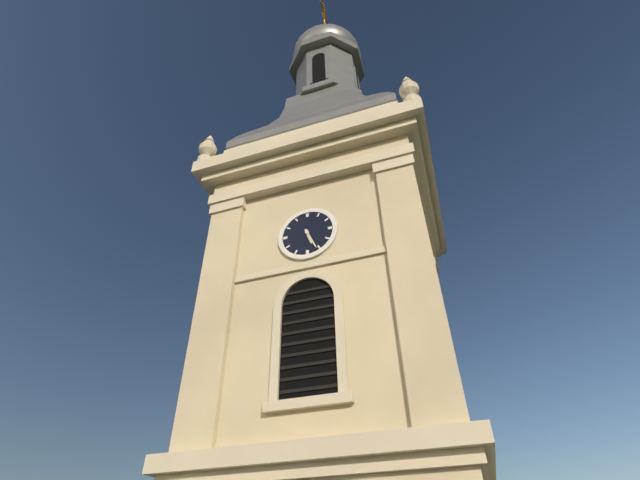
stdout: 5h26
